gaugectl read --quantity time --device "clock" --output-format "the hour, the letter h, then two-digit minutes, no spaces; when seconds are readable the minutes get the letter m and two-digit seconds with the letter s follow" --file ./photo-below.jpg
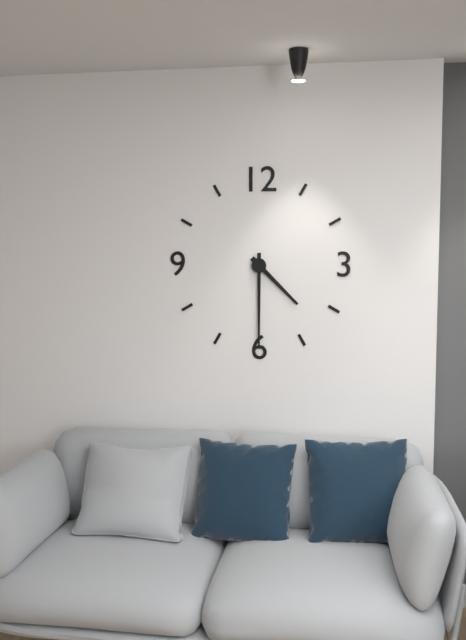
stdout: 4h30
